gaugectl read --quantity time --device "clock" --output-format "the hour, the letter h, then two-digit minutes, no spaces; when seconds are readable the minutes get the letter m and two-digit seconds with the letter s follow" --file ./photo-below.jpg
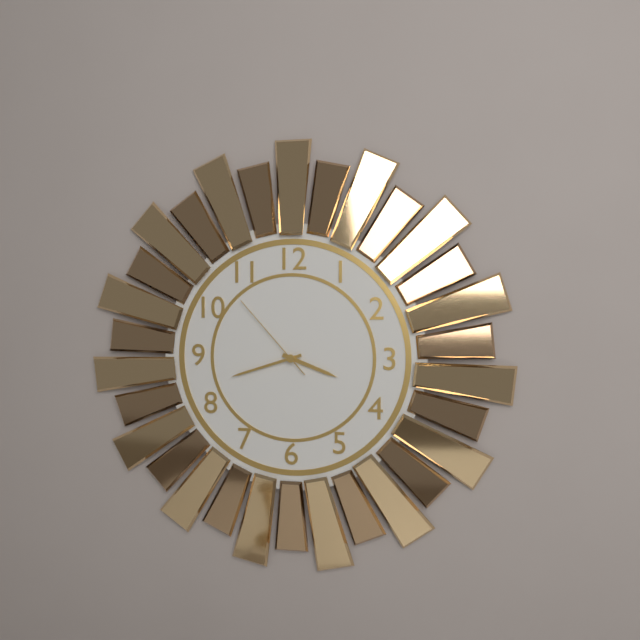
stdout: 3h42m53s
